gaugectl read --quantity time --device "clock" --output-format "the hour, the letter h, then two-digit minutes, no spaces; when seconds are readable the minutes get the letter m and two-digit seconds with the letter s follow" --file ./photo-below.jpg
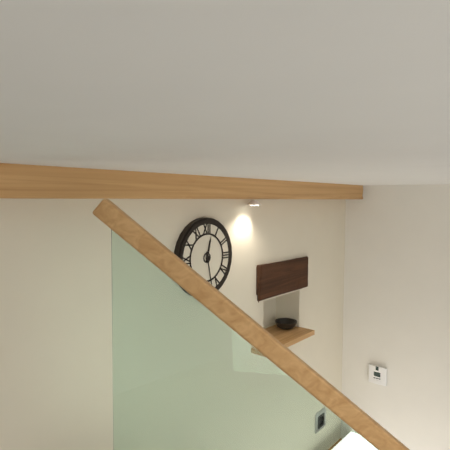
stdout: 12h28
